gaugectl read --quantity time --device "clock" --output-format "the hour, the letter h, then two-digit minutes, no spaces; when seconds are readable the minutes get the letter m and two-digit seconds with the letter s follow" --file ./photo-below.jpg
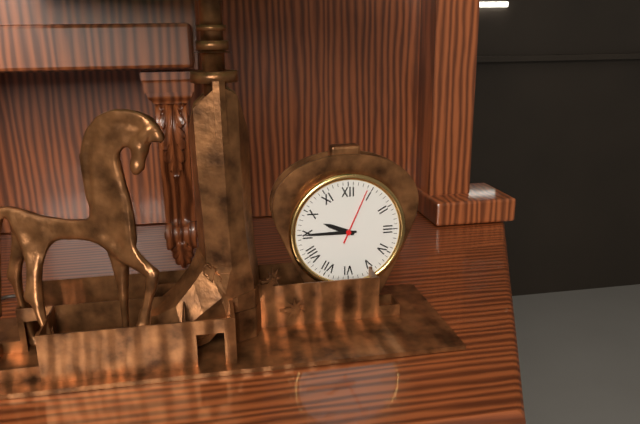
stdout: 9h45m04s
